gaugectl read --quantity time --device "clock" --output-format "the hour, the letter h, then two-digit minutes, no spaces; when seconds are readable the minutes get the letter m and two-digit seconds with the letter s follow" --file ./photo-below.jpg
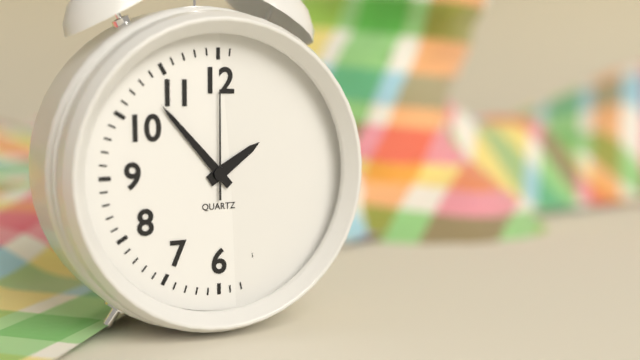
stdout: 1h53m00s
